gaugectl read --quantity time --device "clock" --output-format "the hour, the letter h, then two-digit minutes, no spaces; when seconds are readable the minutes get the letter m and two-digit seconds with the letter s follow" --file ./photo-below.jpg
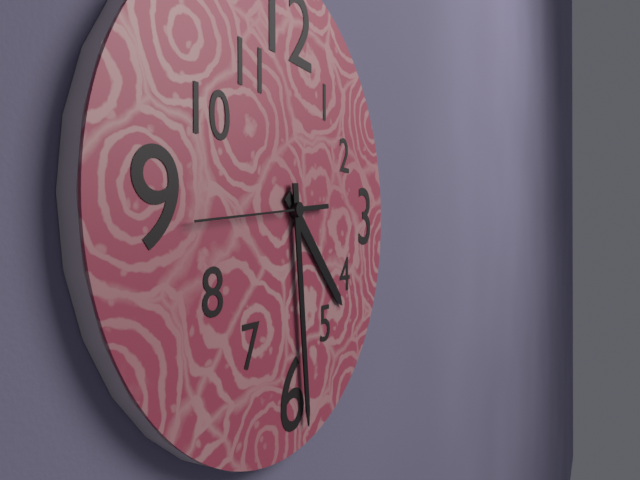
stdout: 4h29m44s
